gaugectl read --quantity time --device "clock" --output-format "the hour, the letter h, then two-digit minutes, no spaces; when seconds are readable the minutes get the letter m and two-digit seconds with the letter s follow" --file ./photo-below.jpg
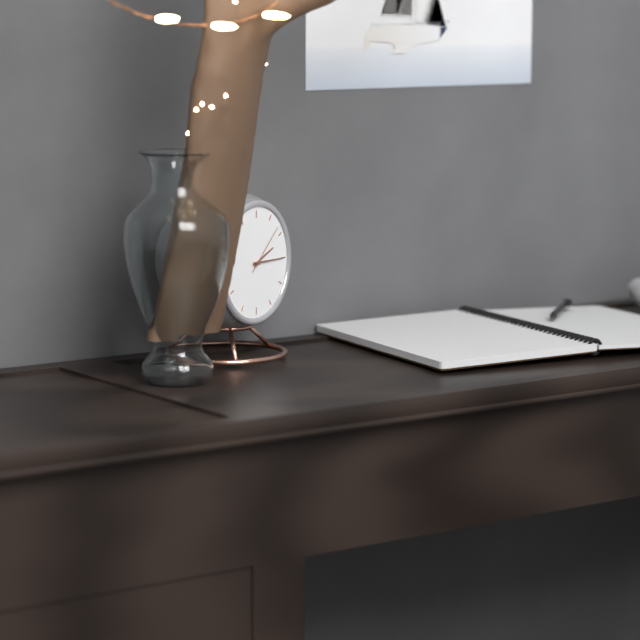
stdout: 2h15m08s
